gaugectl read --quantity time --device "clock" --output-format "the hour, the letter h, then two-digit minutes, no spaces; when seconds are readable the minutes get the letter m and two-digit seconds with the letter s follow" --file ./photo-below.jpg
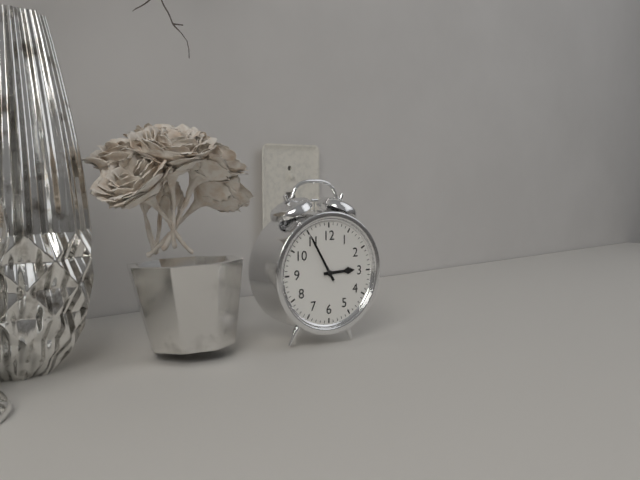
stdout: 2h55
